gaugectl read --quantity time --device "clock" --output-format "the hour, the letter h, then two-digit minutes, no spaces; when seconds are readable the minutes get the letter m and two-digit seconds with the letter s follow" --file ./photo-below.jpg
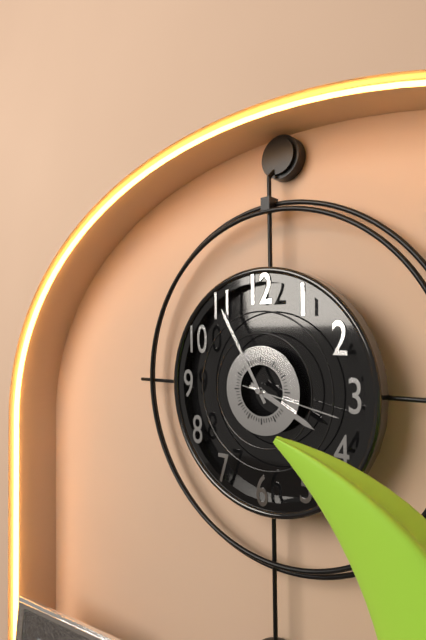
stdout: 3h55m17s
